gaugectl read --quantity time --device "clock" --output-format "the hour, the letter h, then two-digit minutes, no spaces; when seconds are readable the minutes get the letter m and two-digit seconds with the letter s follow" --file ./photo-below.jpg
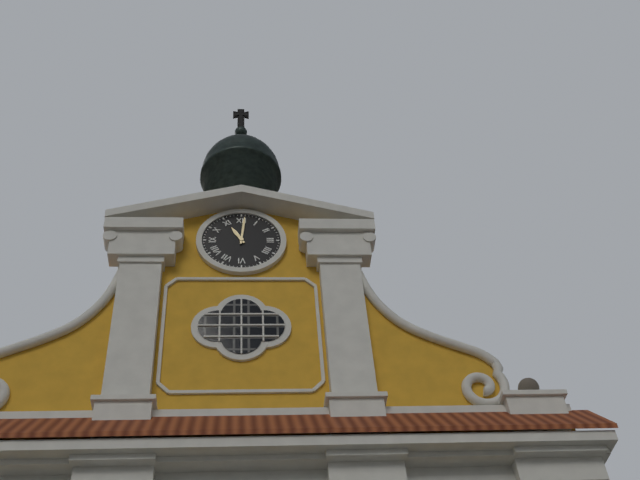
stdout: 11h01
